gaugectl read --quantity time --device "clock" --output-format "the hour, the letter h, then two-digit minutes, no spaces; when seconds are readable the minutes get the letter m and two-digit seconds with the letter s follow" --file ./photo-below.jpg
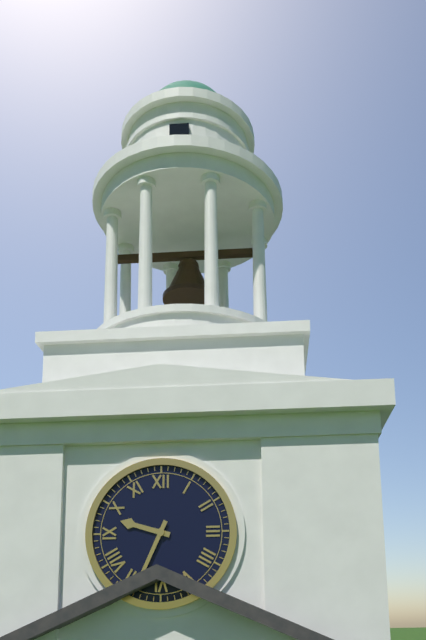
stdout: 9h34
